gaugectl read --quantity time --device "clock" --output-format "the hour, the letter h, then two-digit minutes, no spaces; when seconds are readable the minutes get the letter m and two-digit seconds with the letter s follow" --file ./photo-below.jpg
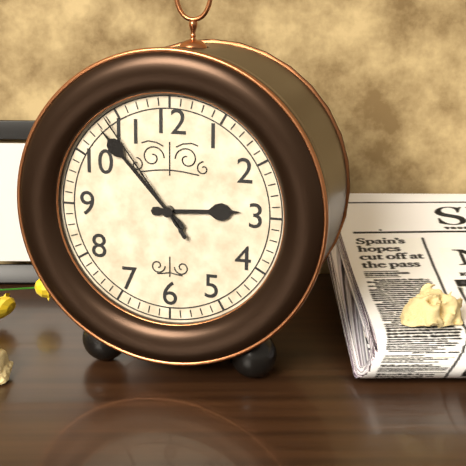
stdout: 2h53m54s
